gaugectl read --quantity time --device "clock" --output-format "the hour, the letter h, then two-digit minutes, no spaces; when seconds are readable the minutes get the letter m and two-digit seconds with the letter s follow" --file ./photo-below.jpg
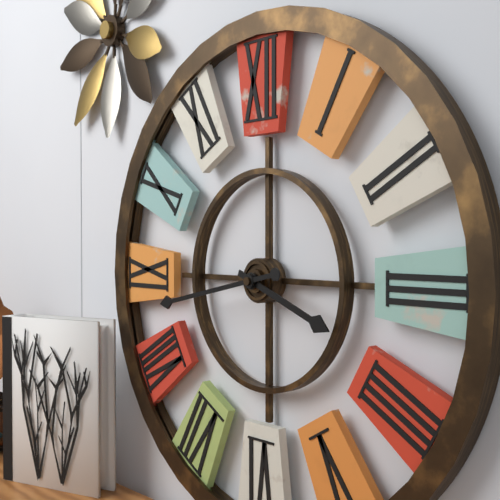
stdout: 3h43
